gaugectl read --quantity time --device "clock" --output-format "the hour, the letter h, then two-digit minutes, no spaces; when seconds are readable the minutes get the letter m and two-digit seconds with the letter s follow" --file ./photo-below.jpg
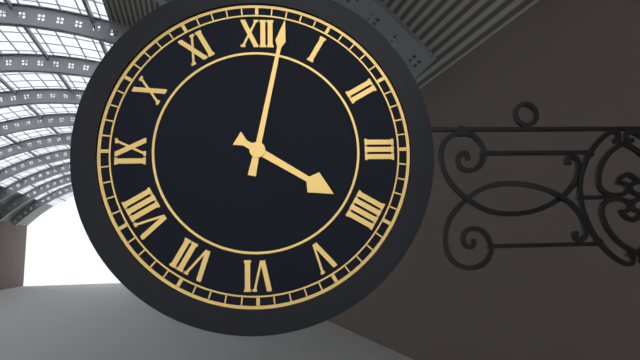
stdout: 4h02
